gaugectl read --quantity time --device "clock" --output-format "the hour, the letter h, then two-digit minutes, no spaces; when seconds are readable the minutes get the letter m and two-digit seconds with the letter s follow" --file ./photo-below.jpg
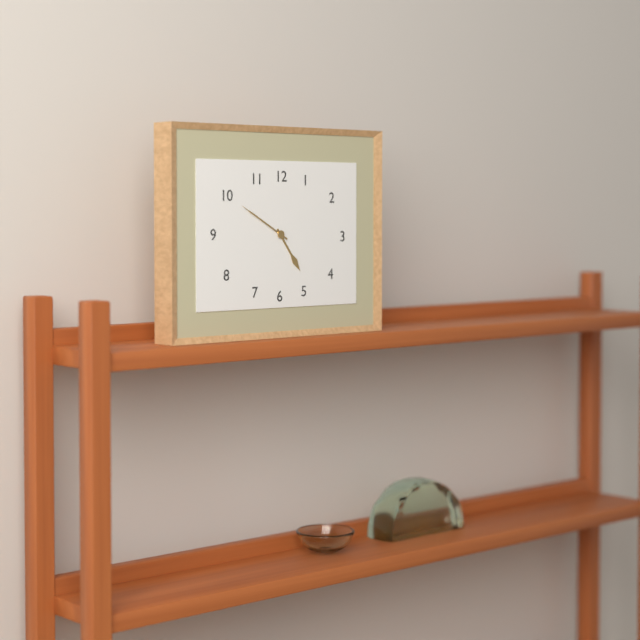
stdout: 4h50
